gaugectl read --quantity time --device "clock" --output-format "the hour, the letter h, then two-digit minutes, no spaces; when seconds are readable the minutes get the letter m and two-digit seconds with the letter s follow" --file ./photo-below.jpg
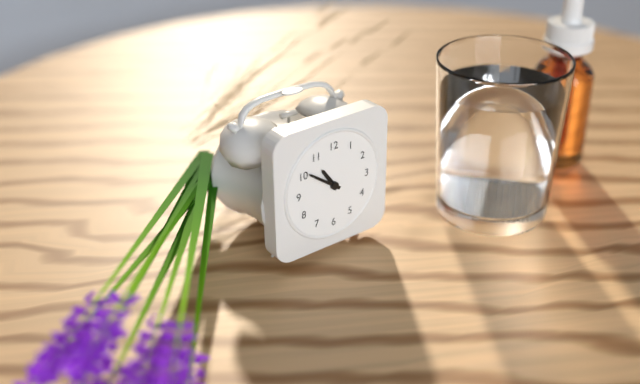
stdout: 10h51
